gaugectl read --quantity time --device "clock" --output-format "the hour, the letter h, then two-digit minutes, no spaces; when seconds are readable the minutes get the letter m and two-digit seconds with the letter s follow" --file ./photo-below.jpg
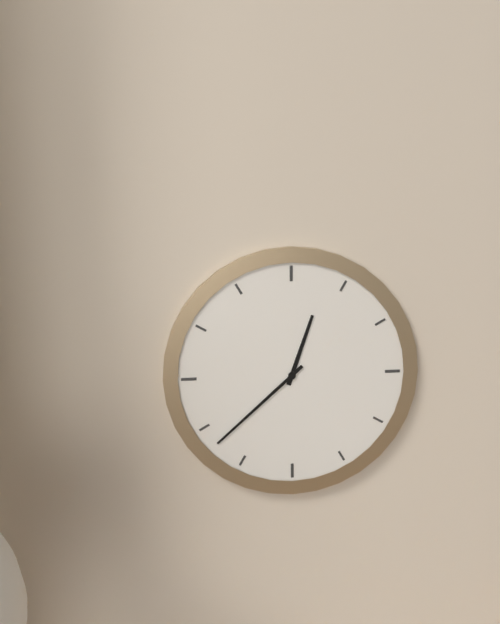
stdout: 12h38
